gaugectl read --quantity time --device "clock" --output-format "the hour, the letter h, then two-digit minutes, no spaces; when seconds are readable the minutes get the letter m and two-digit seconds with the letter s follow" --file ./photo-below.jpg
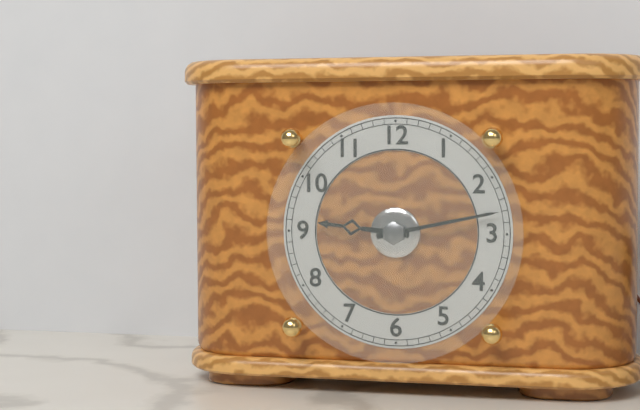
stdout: 9h13
